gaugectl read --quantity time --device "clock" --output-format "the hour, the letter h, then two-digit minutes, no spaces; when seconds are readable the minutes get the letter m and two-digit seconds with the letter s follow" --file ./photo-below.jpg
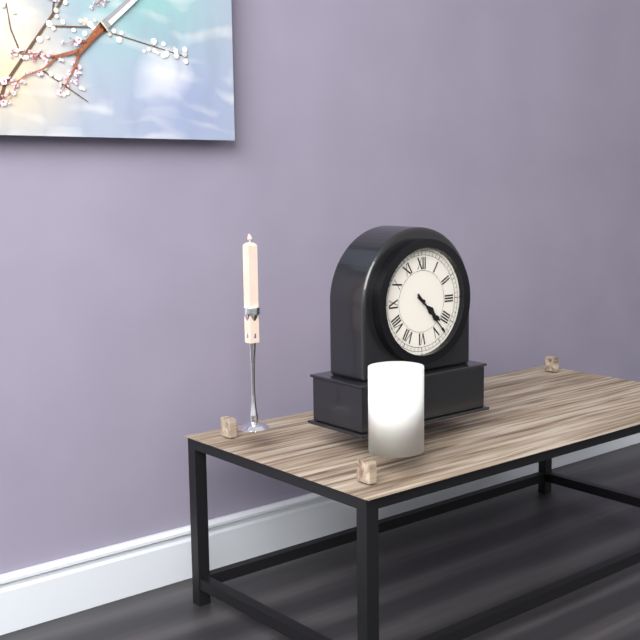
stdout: 4h23
